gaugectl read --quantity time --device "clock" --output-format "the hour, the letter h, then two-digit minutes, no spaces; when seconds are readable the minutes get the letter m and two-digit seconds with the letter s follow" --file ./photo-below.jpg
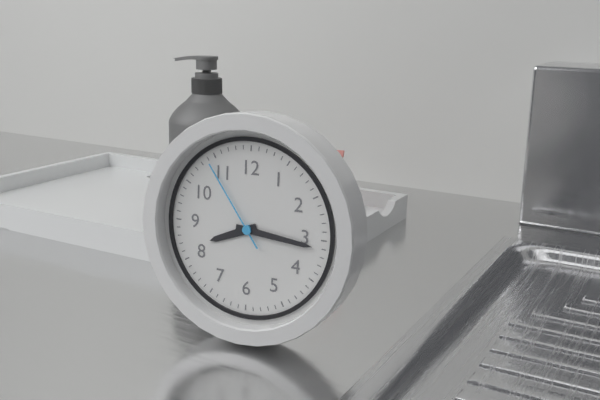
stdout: 8h16m54s
